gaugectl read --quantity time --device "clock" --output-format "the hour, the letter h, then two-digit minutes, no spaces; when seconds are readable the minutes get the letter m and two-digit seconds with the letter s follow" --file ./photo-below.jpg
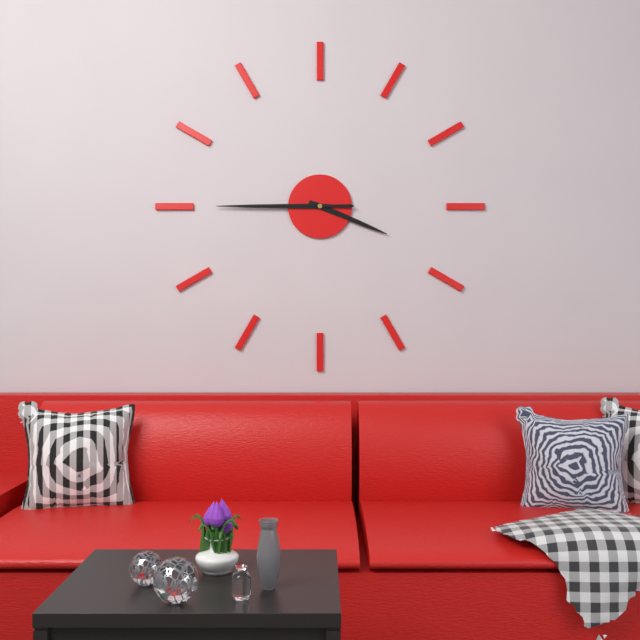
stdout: 3h45m45s
